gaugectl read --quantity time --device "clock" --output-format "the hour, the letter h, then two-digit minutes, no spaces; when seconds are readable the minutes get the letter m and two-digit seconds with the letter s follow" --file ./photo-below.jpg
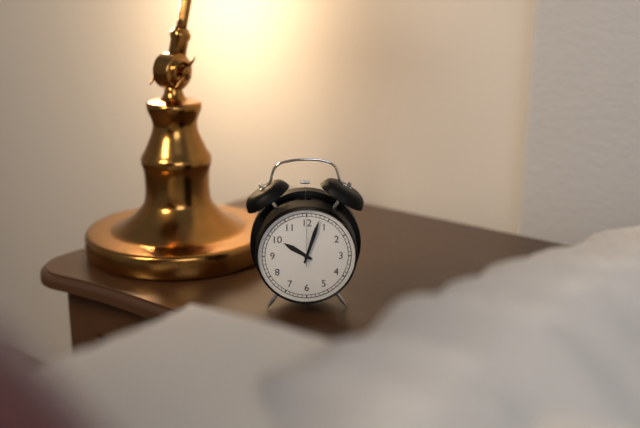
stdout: 10h03
